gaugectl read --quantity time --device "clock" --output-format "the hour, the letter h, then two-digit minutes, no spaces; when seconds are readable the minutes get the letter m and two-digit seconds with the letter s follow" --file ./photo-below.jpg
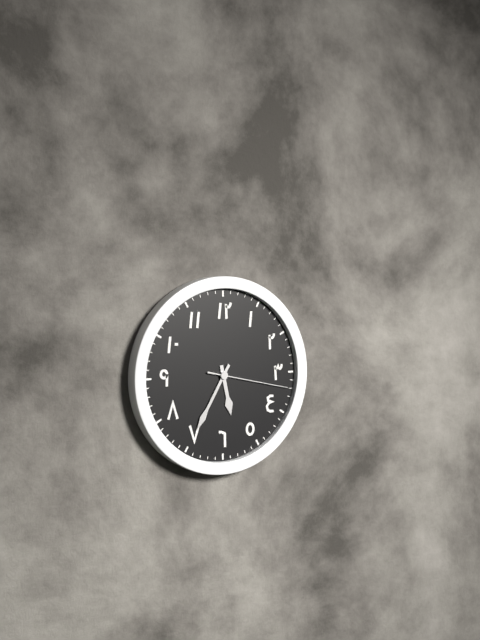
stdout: 5h35m17s
